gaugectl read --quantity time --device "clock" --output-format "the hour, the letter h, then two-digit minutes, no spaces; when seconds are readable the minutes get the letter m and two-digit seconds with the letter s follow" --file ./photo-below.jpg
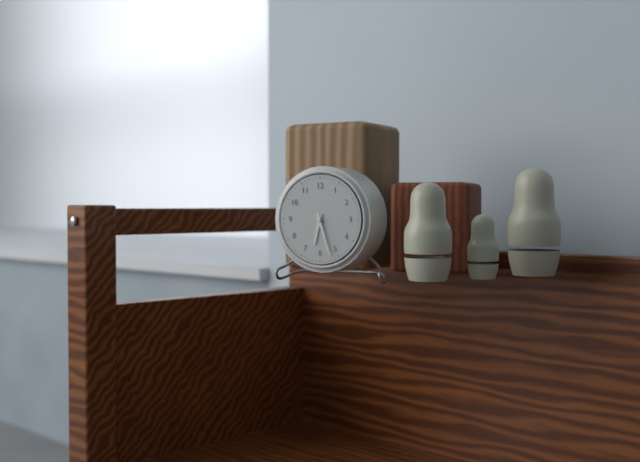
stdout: 6h27
